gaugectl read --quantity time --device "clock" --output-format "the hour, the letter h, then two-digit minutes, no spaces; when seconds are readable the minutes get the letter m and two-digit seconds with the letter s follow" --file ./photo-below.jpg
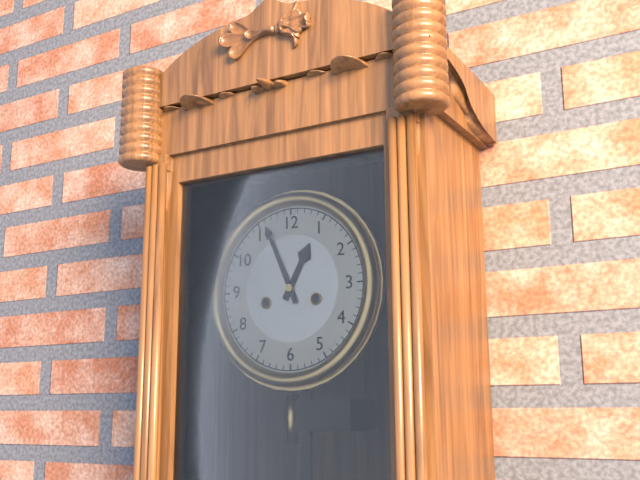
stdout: 12h56
